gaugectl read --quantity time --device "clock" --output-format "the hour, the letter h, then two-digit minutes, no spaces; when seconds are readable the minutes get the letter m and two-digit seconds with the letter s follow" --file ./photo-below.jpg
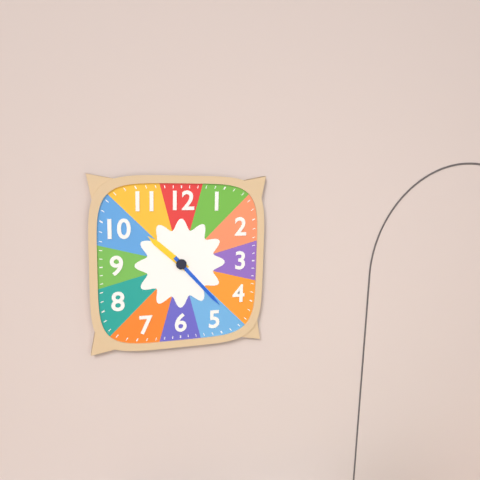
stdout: 10h23
